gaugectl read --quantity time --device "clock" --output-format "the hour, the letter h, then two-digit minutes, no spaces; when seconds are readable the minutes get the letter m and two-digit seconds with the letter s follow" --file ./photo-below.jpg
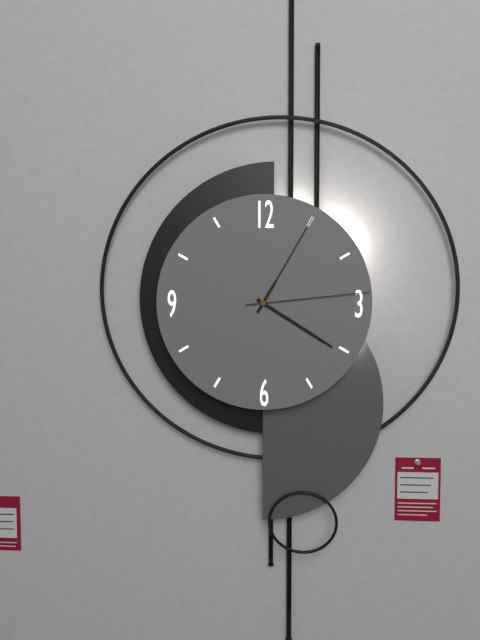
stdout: 4h05m14s
